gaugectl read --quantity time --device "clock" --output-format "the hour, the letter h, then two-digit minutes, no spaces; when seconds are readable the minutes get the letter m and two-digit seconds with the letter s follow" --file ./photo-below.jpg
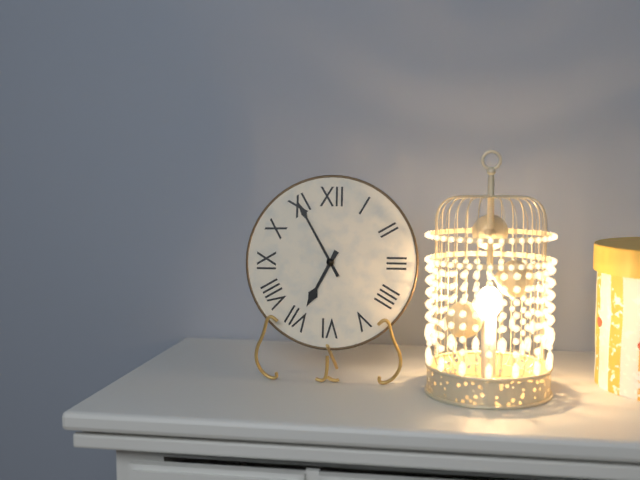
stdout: 6h55
